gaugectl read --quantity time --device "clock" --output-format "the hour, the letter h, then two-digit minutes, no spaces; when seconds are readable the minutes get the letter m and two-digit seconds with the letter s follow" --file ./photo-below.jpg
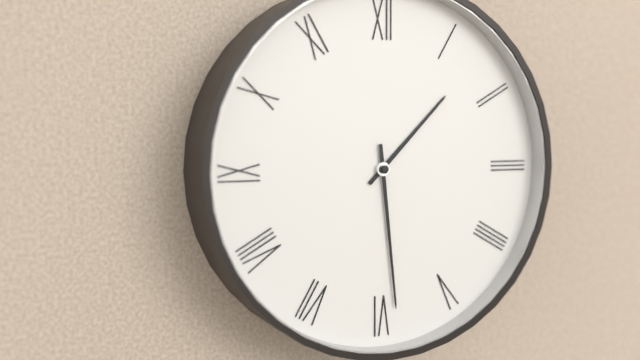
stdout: 1h29
